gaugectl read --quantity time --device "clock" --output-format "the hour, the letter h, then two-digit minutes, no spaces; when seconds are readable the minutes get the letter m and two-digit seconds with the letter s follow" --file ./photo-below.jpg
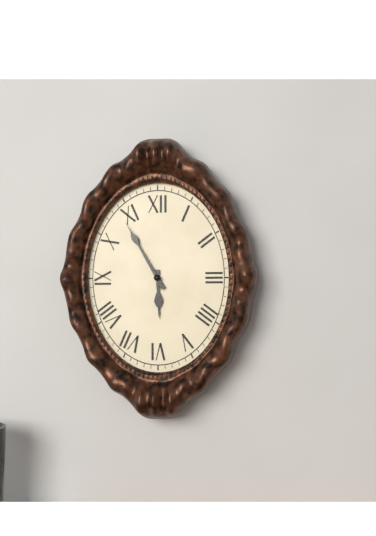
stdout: 5h55
